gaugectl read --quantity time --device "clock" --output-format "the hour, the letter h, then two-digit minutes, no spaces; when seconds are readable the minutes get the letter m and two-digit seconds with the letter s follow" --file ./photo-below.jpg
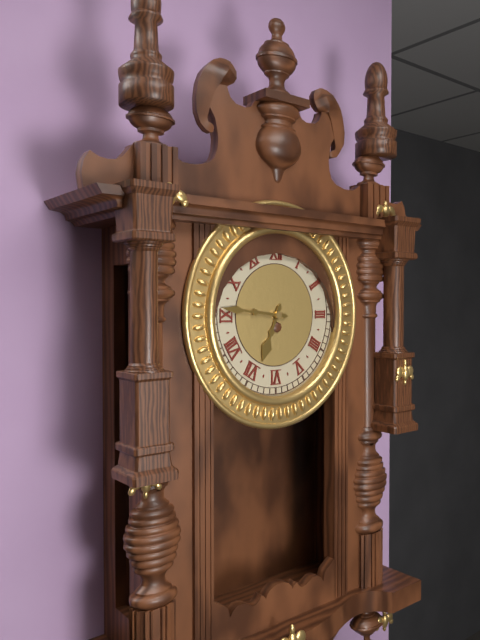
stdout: 6h46
